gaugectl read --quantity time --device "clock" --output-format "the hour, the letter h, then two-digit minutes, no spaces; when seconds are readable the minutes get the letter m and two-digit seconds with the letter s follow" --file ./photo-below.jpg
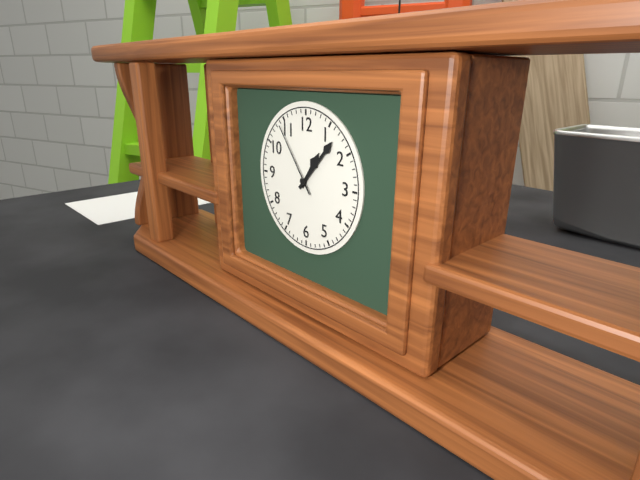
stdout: 1h07m54s
